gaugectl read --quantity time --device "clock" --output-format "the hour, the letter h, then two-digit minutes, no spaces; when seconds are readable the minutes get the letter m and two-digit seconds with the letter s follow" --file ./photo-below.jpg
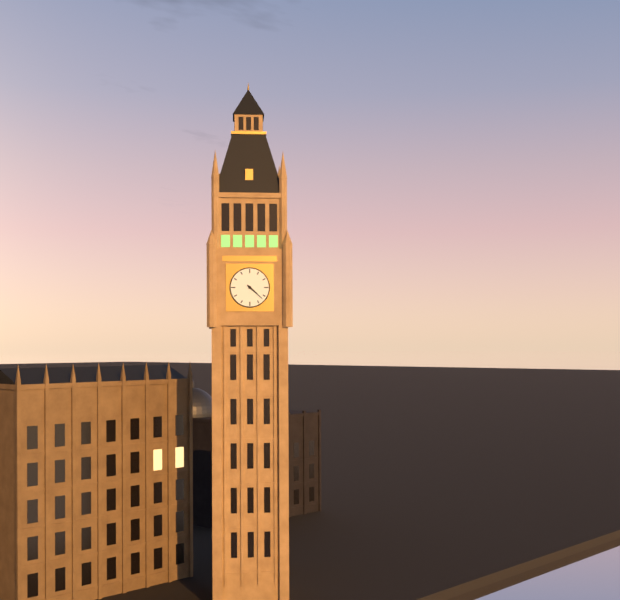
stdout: 4h22
